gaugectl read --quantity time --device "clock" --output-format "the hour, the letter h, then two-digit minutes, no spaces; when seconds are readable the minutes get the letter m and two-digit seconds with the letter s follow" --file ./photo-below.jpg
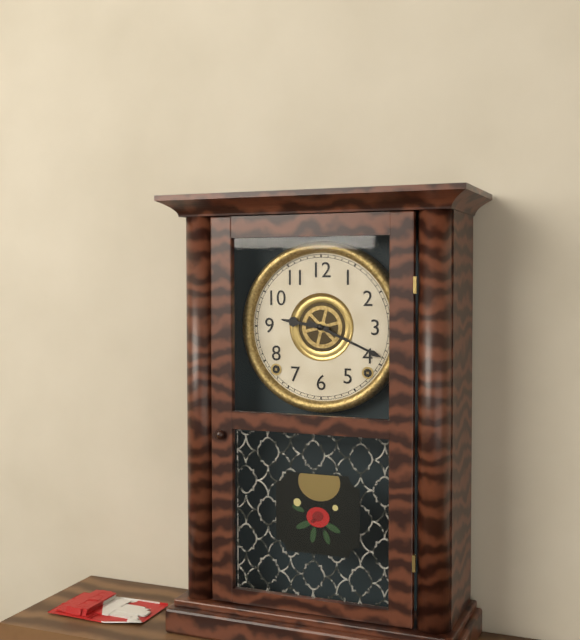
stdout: 9h19
